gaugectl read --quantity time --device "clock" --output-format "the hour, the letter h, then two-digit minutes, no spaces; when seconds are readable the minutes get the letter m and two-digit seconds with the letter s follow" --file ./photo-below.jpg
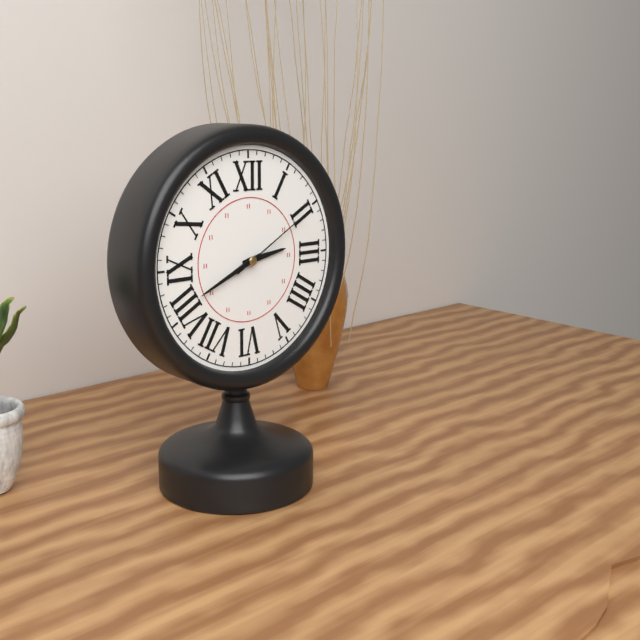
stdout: 2h41m10s
